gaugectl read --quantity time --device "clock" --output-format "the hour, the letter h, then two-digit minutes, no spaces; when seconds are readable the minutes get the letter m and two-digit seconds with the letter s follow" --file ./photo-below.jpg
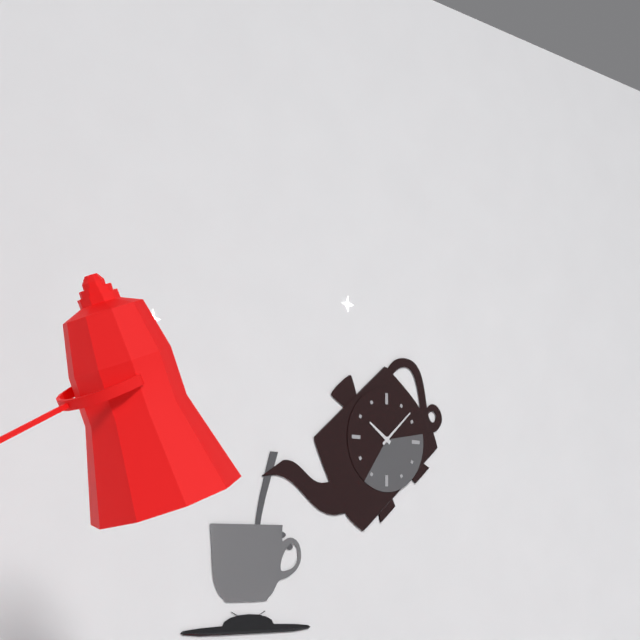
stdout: 10h08
